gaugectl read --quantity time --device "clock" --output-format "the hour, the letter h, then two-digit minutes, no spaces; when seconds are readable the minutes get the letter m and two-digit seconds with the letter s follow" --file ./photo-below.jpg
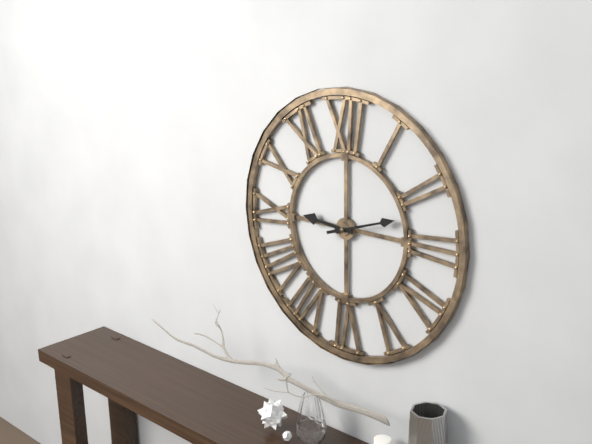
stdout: 9h12
